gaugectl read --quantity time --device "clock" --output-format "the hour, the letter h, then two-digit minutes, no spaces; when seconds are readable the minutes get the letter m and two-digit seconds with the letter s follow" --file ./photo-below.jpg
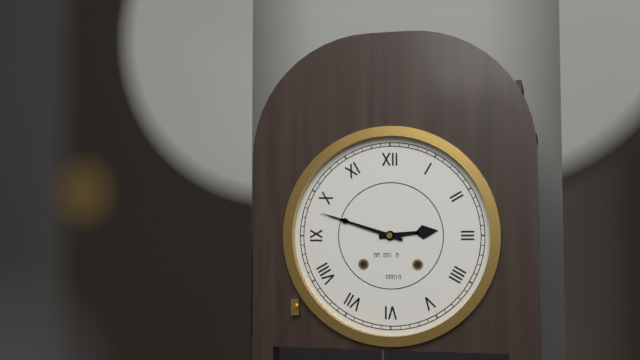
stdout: 2h48
